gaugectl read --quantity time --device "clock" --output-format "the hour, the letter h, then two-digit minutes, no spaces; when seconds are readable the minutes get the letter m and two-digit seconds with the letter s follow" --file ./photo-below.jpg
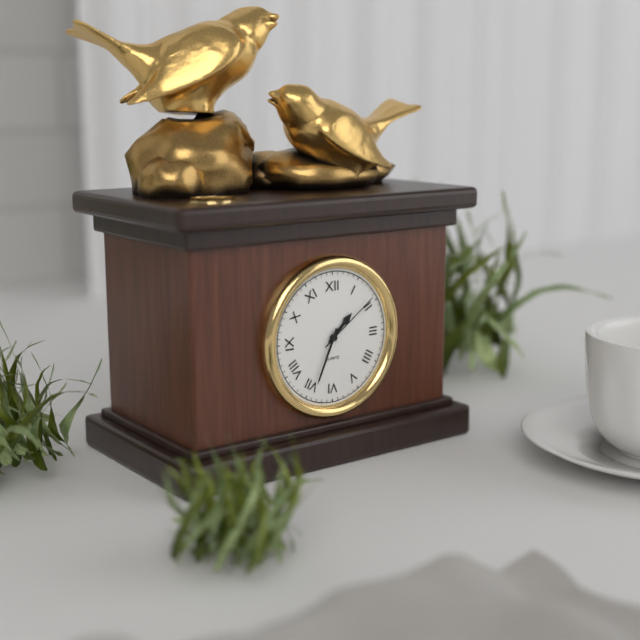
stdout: 1h34m09s
